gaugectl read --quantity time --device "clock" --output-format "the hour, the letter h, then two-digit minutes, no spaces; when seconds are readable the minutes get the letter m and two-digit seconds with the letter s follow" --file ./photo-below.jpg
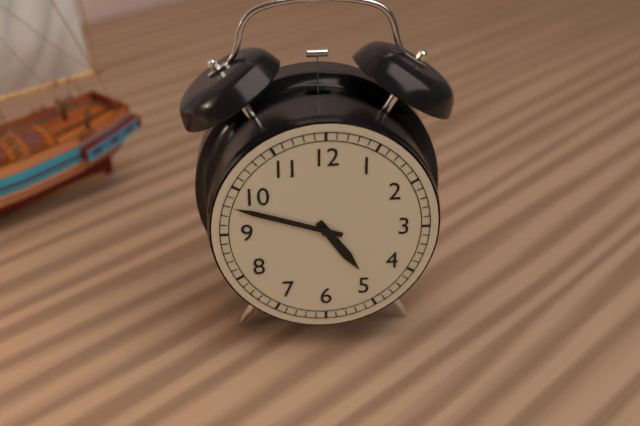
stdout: 4h48
